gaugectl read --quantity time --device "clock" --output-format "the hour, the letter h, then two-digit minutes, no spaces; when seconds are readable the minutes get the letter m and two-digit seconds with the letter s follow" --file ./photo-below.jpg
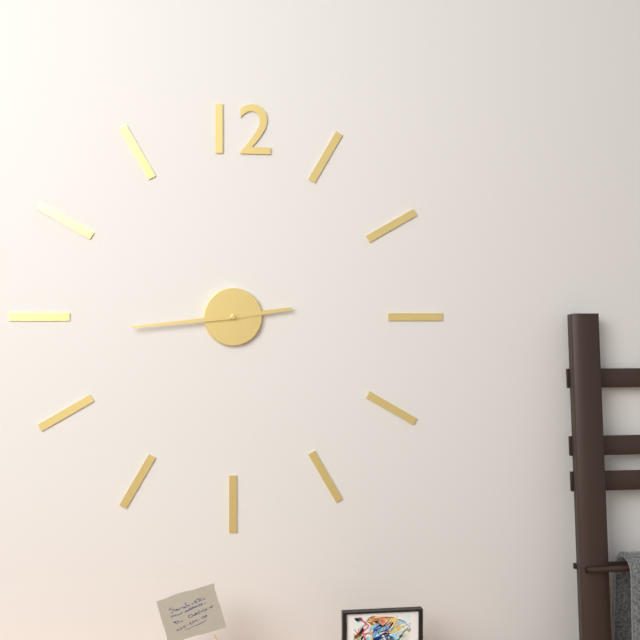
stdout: 2h44
